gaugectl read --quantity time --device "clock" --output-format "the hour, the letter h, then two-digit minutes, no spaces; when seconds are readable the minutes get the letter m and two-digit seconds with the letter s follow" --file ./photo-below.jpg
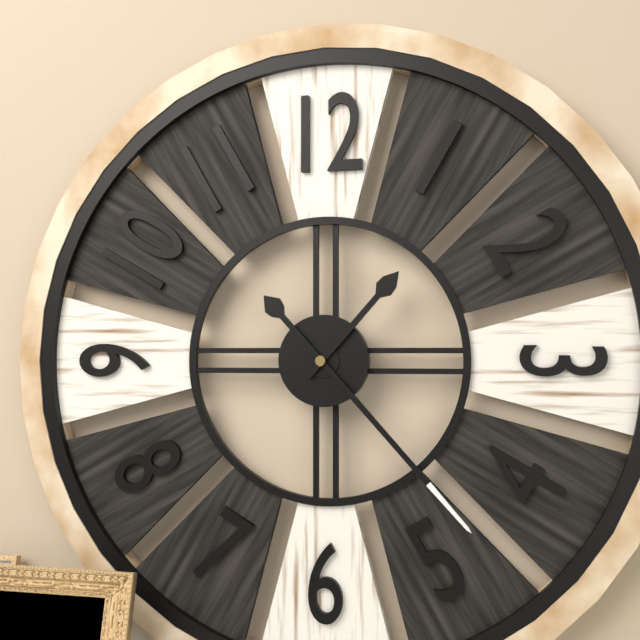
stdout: 1h23
